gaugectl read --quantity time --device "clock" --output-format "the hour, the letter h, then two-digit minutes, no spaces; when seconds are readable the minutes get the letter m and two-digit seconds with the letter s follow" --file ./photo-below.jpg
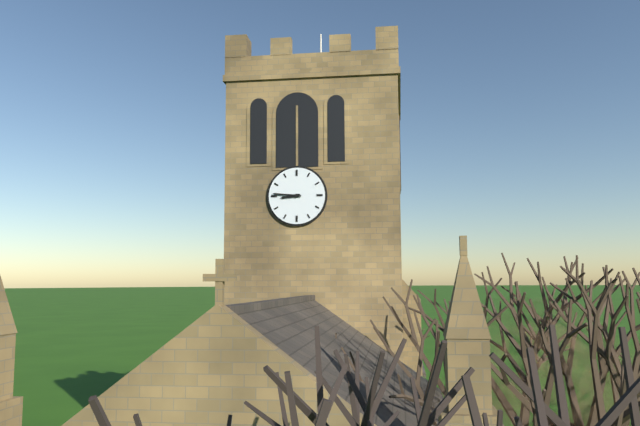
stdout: 8h46
